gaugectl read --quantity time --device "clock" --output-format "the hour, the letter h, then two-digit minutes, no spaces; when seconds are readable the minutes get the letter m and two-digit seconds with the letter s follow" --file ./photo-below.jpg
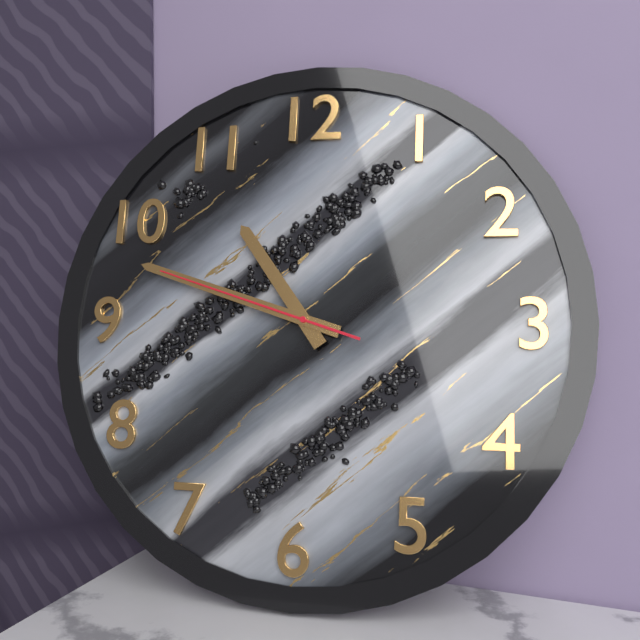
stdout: 10h48m48s
